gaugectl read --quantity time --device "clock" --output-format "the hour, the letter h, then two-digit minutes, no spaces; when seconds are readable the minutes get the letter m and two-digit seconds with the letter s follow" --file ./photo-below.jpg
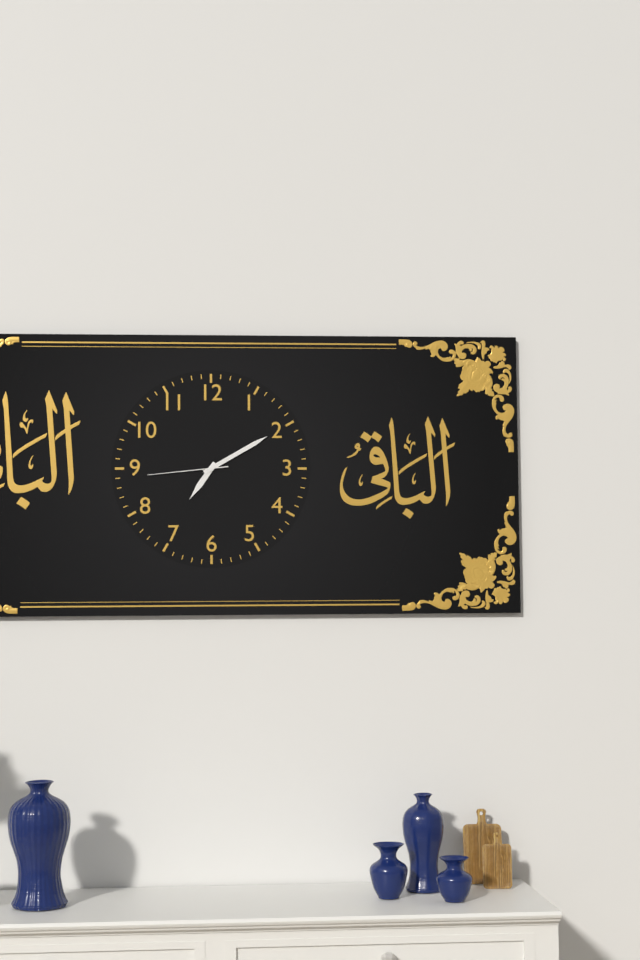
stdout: 7h10m44s
